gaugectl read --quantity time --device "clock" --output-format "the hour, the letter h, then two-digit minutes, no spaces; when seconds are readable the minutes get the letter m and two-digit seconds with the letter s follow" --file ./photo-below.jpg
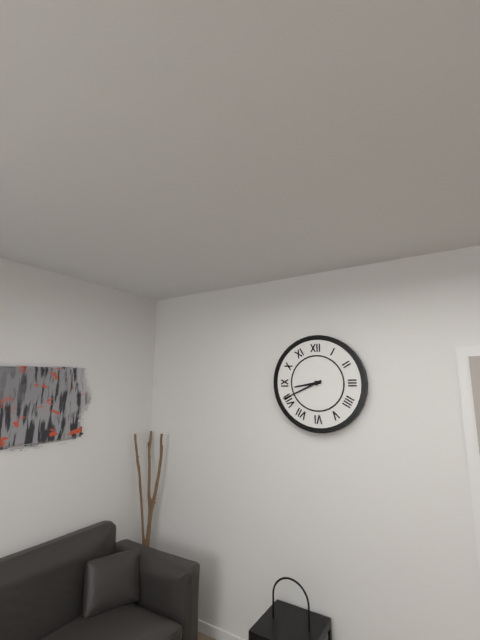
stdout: 8h41
